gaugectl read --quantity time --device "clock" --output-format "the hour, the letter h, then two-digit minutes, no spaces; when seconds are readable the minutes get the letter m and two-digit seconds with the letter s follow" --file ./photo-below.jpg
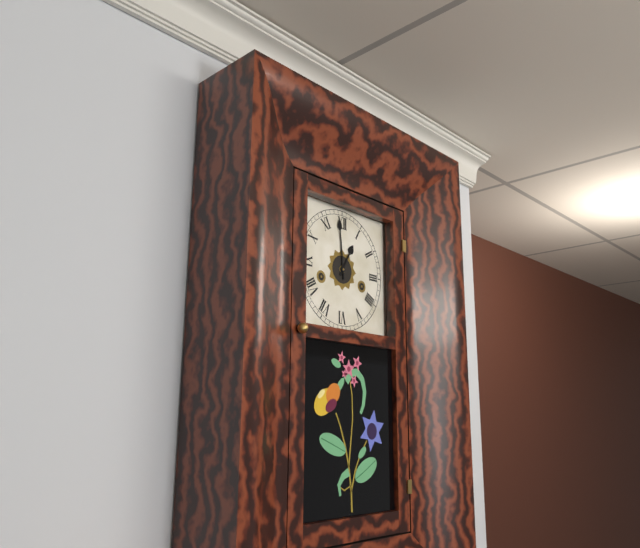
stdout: 12h59
